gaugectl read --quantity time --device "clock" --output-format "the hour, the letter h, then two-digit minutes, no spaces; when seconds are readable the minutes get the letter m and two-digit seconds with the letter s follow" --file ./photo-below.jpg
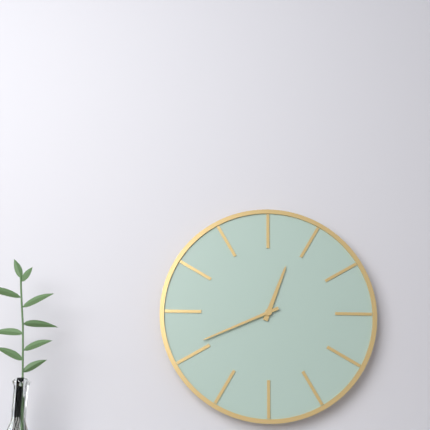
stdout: 12h41
